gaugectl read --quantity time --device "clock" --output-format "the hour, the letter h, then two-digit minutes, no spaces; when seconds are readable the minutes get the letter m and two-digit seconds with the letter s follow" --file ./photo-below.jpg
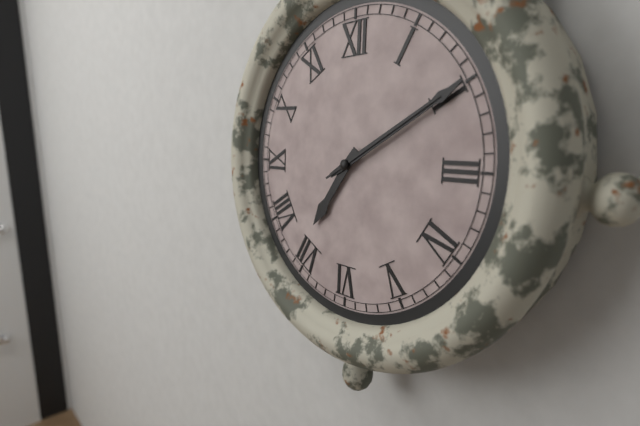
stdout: 7h10m10s
